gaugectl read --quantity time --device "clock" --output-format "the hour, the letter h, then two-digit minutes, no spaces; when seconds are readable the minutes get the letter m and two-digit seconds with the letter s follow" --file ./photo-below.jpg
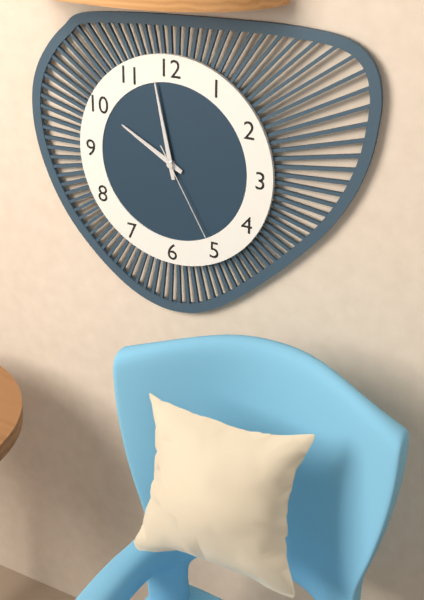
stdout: 9h58m25s
